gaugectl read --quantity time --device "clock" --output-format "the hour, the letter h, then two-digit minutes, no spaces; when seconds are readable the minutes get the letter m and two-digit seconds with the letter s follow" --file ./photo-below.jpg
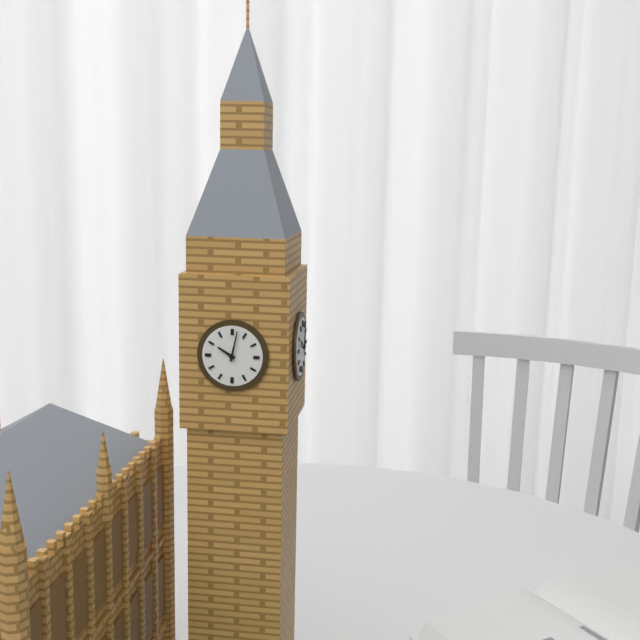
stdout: 10h02
